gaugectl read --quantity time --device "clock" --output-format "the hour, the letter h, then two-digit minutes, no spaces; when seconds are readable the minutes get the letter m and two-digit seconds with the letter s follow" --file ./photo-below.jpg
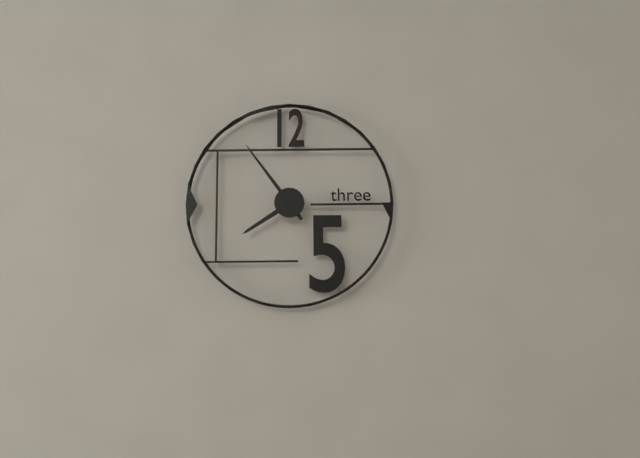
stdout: 7h54
